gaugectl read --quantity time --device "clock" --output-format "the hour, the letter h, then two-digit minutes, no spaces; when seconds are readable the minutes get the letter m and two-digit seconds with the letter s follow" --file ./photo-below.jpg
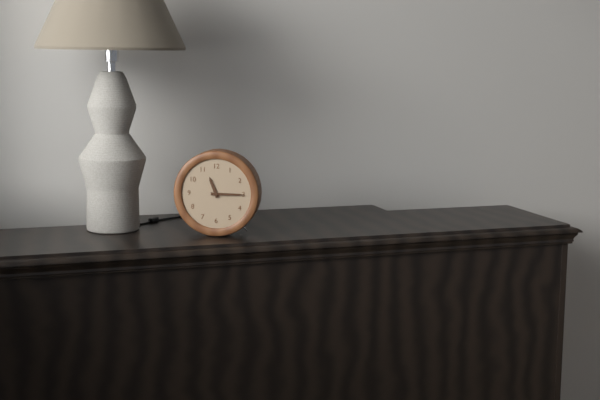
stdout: 11h15
